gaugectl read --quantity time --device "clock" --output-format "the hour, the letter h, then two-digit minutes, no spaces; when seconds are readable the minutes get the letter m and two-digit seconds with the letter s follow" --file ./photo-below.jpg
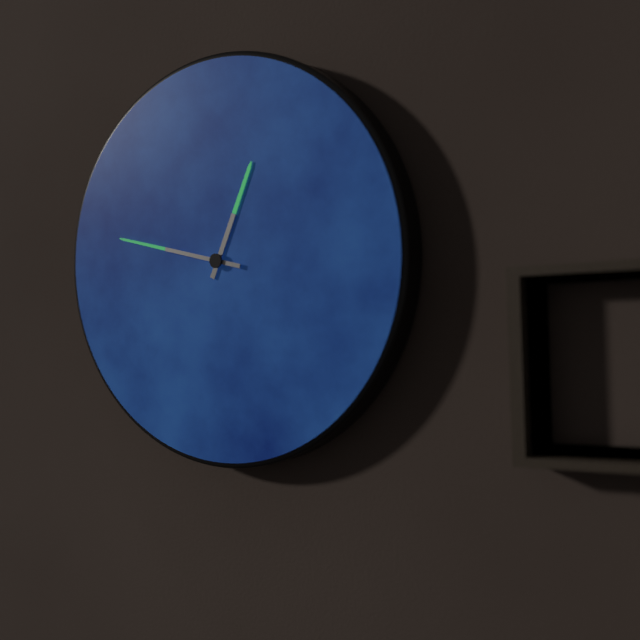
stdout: 12h47
